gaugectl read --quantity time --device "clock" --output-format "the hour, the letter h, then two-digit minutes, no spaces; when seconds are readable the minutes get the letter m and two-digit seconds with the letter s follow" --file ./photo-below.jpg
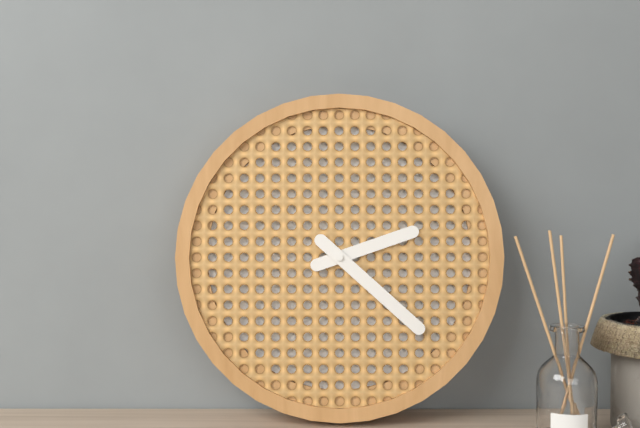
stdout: 2h22
